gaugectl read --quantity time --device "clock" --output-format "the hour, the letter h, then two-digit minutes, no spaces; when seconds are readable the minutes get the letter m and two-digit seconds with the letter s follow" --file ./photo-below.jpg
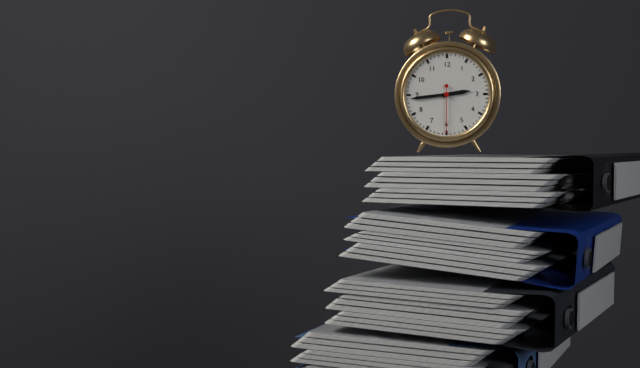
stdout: 2h44
